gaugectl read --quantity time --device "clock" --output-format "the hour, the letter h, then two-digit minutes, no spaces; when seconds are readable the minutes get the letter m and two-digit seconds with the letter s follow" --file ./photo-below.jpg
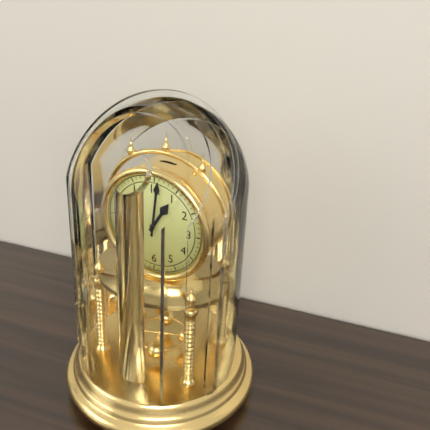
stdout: 1h01
